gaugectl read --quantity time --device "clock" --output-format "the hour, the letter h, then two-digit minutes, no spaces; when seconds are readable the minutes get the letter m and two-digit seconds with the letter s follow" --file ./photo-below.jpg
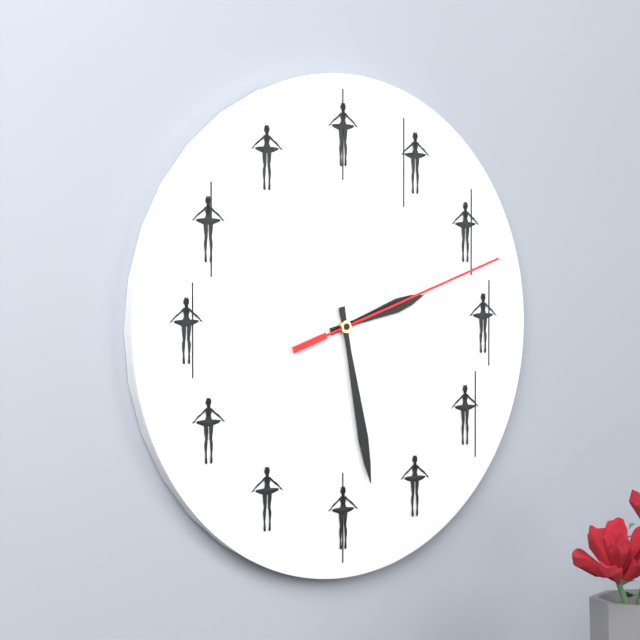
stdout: 2h28m12s
